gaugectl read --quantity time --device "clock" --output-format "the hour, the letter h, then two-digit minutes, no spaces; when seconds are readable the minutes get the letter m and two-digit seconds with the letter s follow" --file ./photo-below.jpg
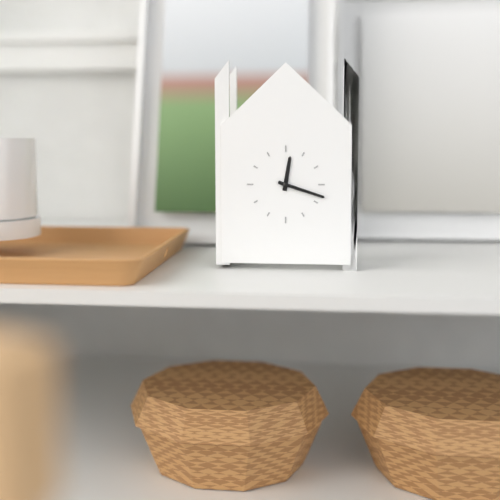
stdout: 12h18
